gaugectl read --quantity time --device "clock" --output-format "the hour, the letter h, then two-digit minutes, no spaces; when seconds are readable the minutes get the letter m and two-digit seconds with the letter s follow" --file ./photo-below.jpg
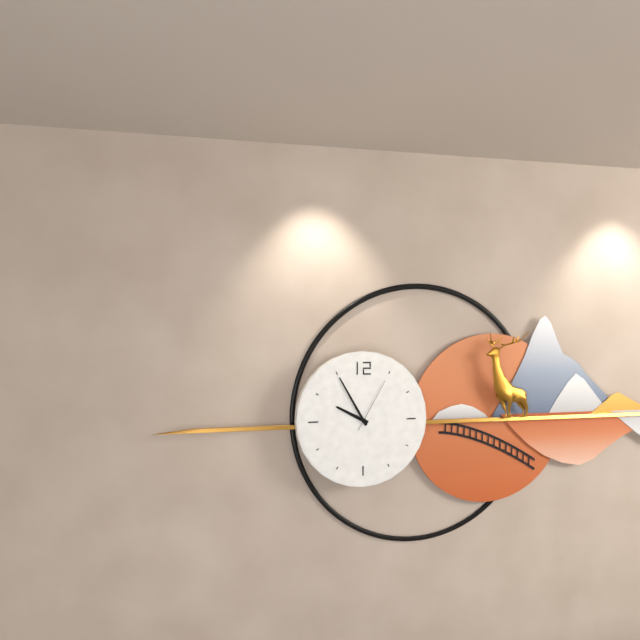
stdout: 9h55m05s
